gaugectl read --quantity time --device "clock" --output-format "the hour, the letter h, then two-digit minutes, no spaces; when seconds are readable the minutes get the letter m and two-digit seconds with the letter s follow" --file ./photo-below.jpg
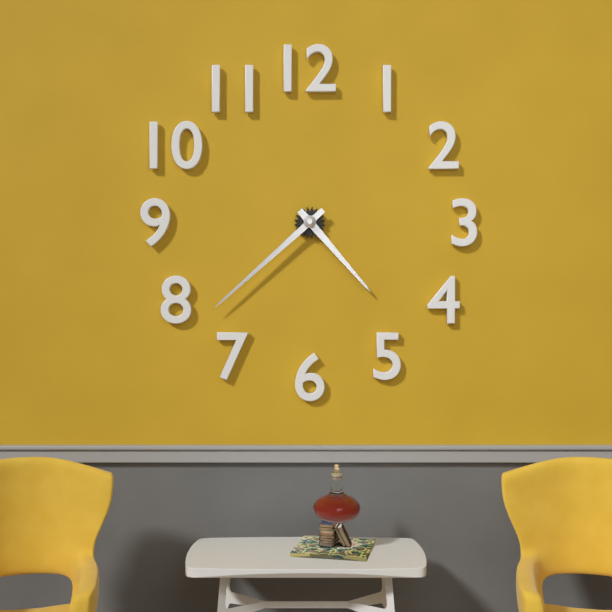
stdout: 4h38
